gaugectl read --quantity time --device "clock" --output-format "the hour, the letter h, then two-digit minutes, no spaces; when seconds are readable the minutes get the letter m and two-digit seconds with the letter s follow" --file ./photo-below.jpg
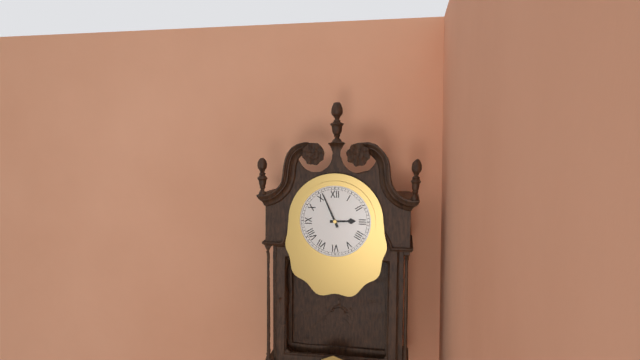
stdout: 2h56
